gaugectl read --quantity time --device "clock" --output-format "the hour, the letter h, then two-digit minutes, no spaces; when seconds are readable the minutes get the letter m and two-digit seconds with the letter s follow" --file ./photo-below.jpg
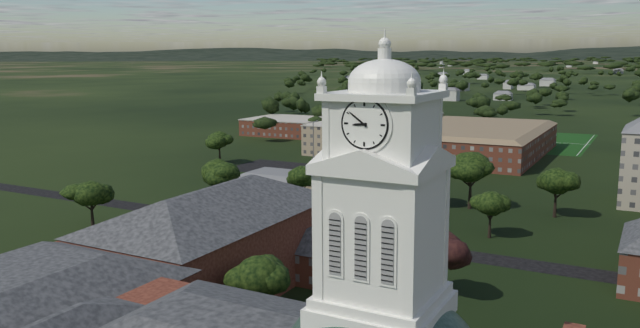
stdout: 8h51
